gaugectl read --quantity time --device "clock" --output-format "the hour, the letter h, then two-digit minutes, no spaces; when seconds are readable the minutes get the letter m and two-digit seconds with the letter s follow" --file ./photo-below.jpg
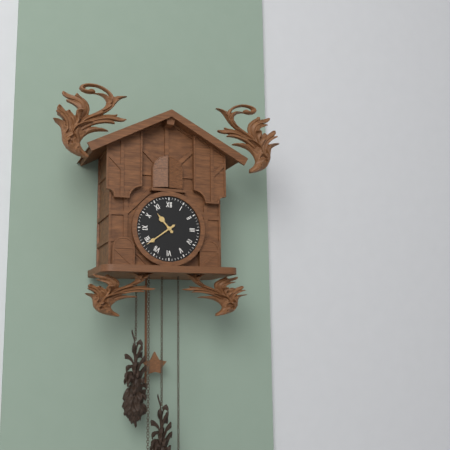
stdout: 10h39
